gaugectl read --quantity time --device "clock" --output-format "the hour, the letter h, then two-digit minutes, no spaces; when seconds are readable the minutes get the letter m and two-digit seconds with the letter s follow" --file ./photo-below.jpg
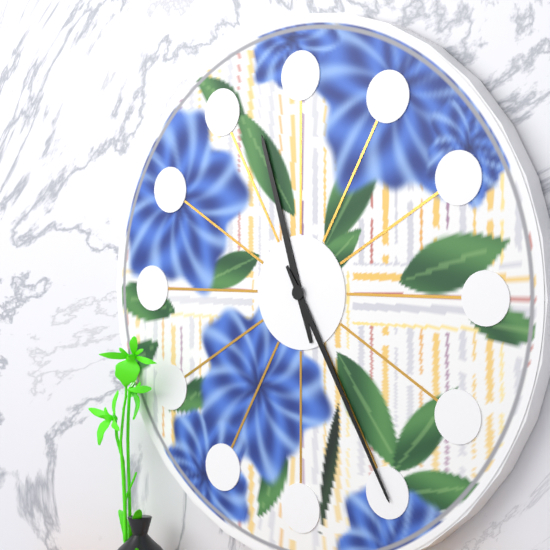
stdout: 11h25
